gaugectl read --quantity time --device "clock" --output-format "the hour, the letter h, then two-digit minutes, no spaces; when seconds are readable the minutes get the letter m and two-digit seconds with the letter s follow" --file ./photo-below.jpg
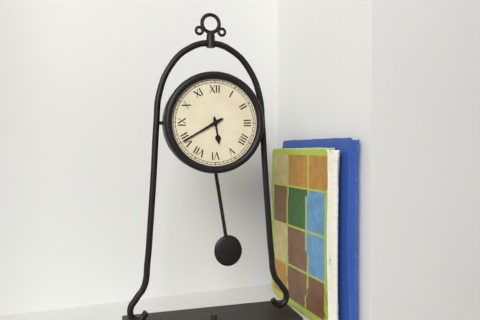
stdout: 5h40
